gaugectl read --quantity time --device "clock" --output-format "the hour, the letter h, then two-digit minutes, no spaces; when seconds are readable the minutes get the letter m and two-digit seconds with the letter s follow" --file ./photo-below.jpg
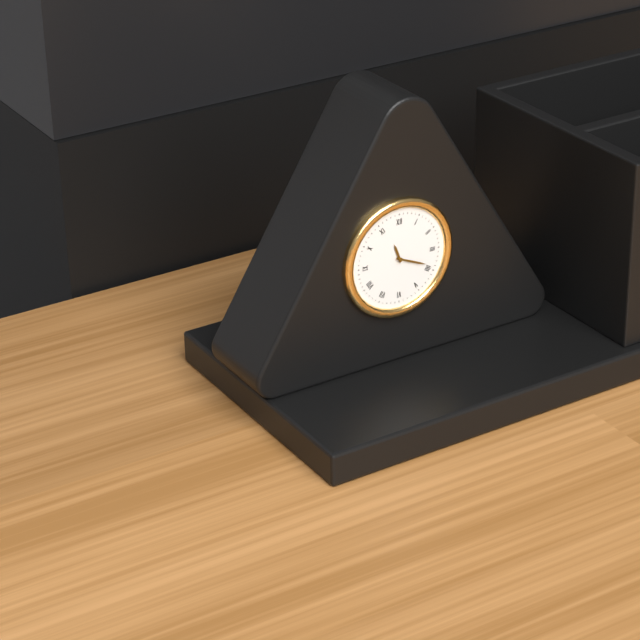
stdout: 11h19
